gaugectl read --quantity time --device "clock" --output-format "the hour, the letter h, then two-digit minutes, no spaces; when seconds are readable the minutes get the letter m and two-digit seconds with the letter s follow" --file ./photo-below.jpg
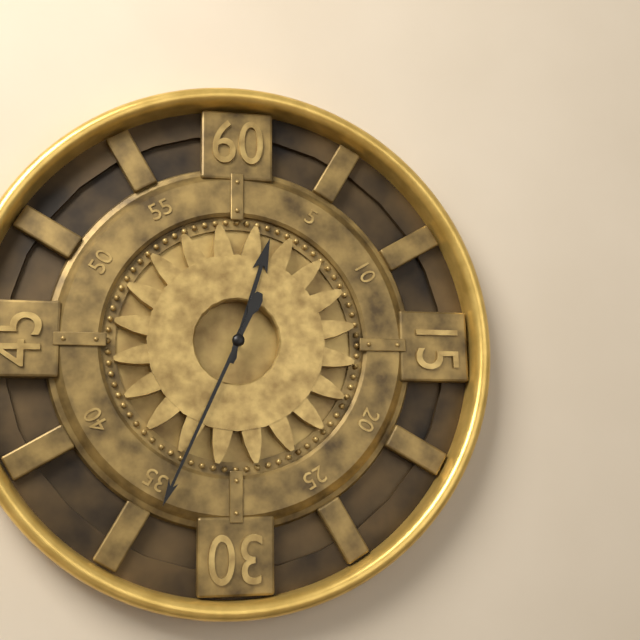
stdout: 12h34
